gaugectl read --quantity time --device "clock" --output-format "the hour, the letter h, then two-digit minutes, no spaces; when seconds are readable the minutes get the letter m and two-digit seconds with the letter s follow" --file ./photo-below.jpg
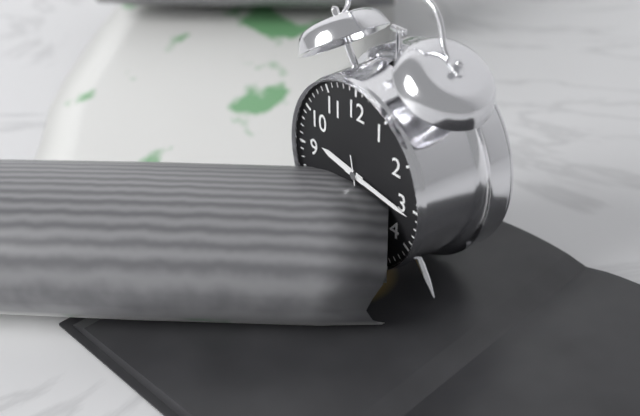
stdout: 9h16
